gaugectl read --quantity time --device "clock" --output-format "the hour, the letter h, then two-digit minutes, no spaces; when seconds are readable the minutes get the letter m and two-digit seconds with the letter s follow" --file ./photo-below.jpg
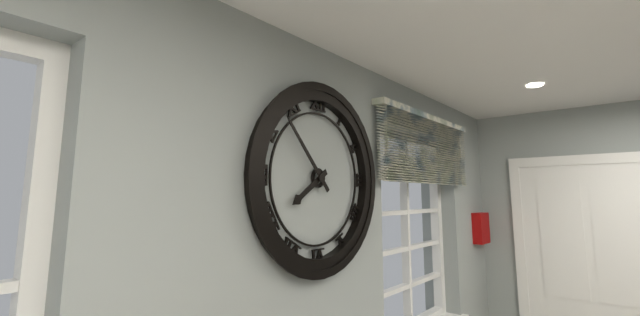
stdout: 7h53
